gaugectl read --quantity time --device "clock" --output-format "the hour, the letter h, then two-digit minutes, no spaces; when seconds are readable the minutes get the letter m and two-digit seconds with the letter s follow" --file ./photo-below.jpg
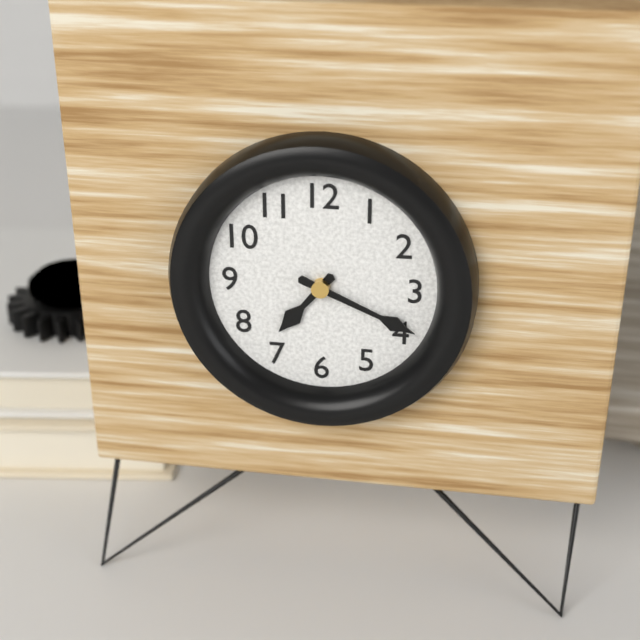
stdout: 7h19
